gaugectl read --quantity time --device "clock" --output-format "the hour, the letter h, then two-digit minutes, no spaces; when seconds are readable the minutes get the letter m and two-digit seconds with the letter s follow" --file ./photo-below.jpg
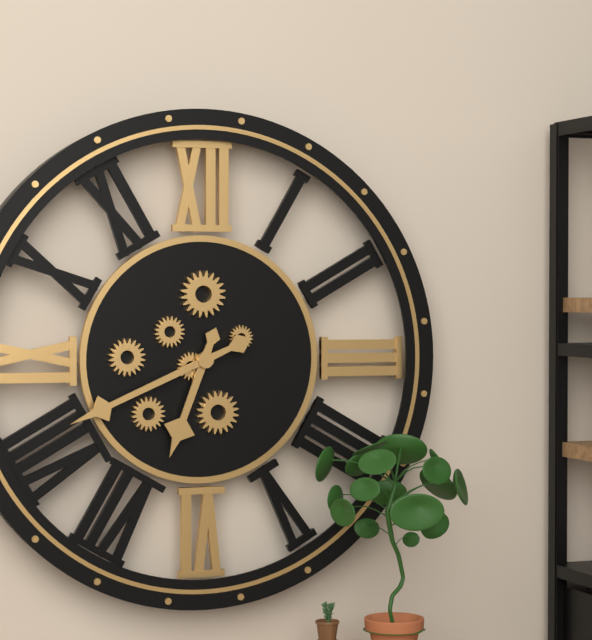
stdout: 6h41
